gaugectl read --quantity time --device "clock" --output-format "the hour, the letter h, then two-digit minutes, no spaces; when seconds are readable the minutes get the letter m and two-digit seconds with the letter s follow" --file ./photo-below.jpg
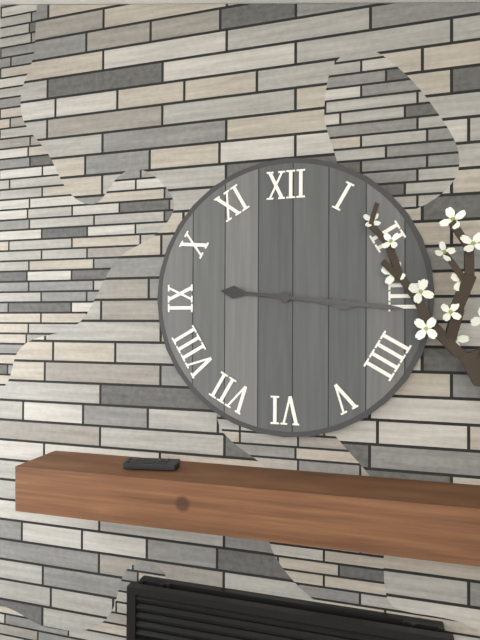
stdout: 3h16
